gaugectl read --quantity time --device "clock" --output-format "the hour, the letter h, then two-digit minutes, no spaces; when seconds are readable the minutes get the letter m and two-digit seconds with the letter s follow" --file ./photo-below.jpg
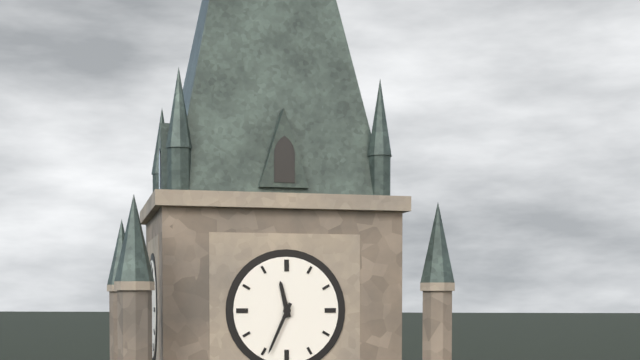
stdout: 11h34
